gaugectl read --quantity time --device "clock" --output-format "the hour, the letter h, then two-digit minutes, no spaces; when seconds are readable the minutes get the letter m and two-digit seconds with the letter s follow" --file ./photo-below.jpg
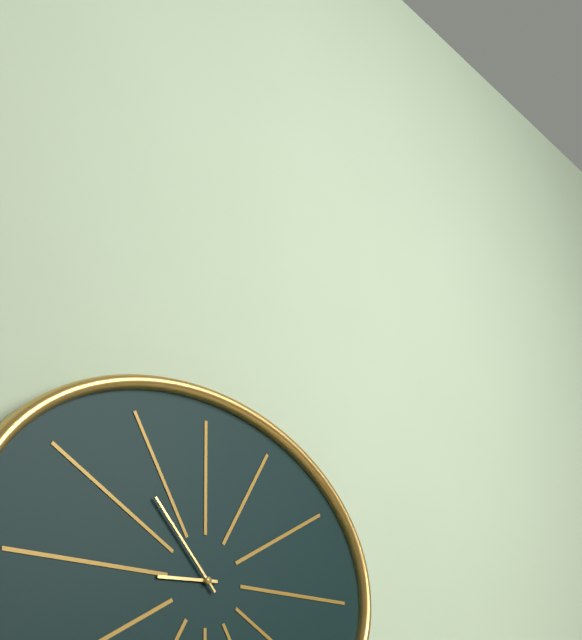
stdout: 8h53
